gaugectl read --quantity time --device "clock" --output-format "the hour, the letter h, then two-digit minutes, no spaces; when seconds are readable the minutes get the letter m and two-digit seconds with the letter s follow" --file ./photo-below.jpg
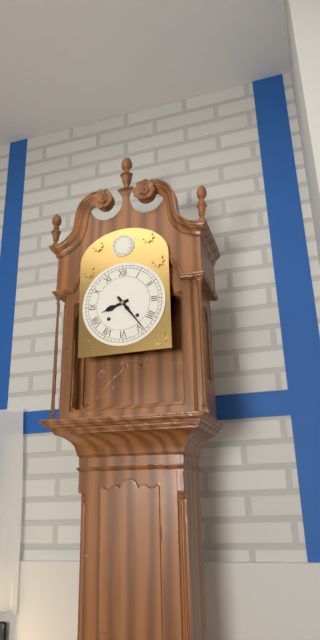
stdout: 8h24
